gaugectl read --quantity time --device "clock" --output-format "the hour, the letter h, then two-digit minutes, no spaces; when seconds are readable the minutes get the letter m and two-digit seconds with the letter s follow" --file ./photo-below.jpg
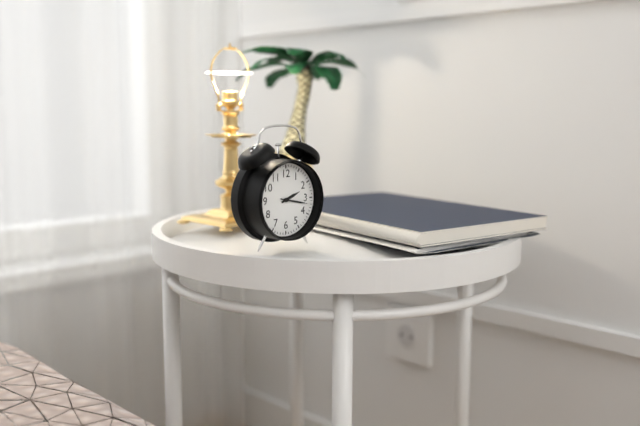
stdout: 2h17
